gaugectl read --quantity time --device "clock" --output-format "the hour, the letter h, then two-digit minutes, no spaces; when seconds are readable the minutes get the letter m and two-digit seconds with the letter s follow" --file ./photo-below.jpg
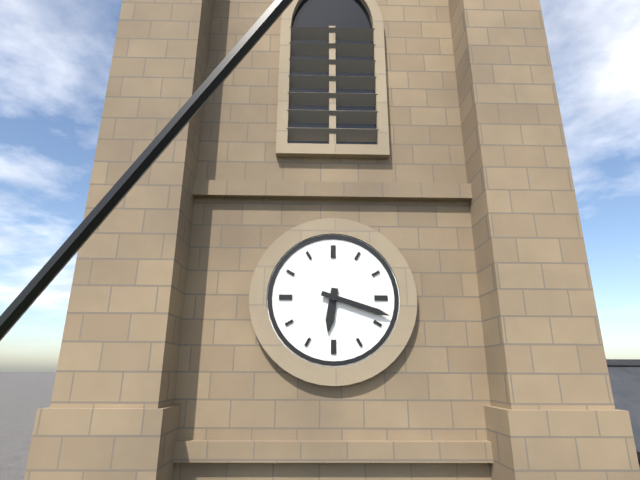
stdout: 6h18
